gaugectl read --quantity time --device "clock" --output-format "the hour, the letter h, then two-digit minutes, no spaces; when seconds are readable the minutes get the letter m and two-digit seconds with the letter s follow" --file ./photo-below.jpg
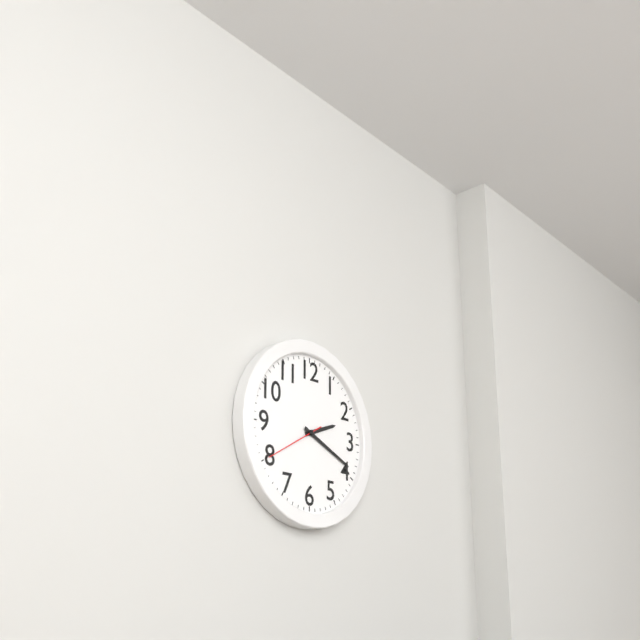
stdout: 2h19m40s
